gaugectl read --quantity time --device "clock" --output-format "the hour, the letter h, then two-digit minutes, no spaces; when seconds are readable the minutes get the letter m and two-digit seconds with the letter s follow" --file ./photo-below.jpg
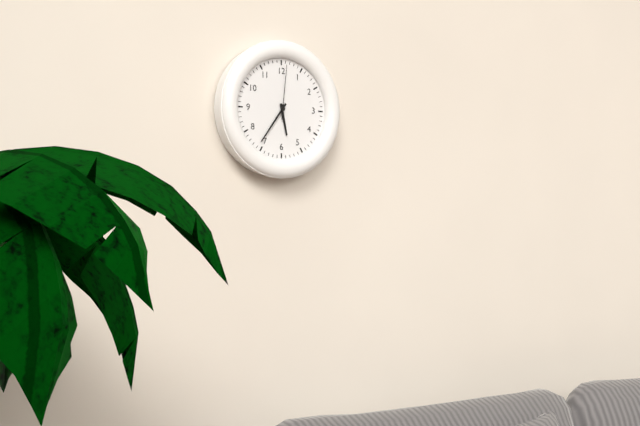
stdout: 5h36m01s
